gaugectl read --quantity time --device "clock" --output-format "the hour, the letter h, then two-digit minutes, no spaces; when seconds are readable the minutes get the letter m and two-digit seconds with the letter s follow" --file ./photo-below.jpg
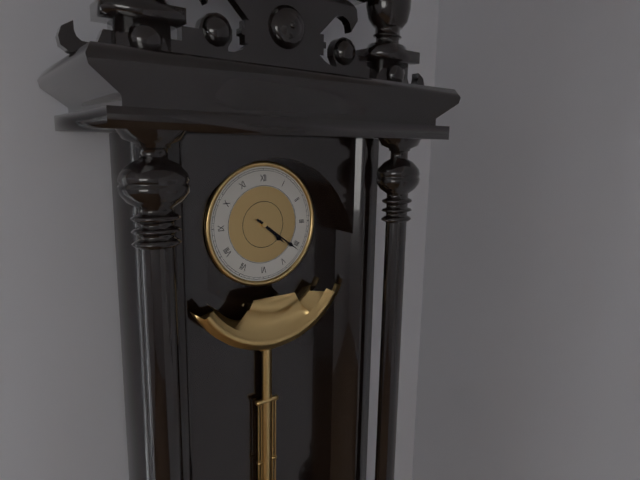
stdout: 4h21
